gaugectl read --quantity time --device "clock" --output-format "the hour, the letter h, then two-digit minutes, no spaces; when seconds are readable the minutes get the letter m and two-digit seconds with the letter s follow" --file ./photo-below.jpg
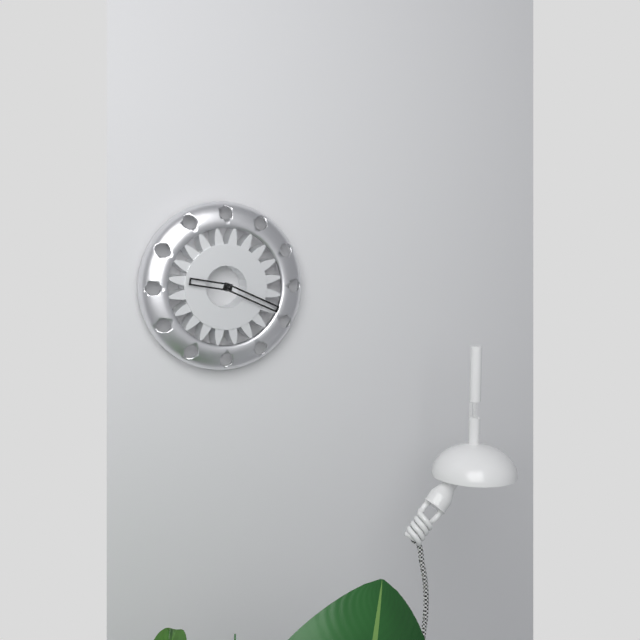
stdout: 9h19
